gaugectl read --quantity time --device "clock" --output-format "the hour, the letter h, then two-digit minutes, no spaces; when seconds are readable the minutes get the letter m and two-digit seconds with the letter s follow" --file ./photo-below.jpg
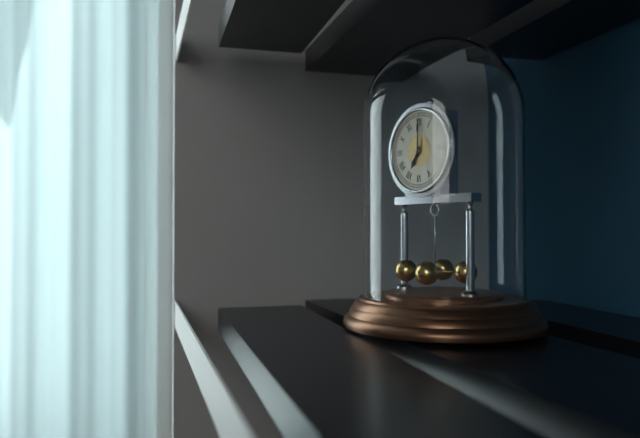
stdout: 7h00
